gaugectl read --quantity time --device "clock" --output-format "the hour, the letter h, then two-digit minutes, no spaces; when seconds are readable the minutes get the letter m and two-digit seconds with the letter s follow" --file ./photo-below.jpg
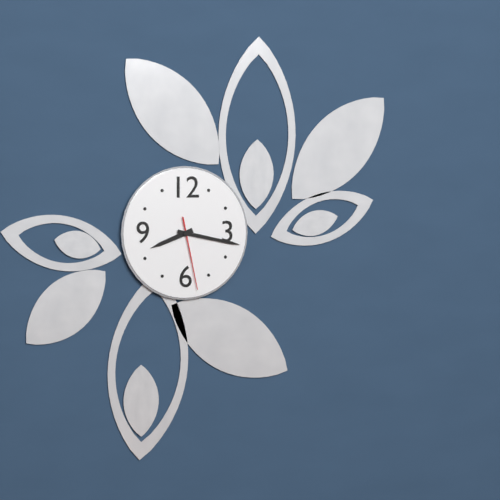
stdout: 8h17m28s
